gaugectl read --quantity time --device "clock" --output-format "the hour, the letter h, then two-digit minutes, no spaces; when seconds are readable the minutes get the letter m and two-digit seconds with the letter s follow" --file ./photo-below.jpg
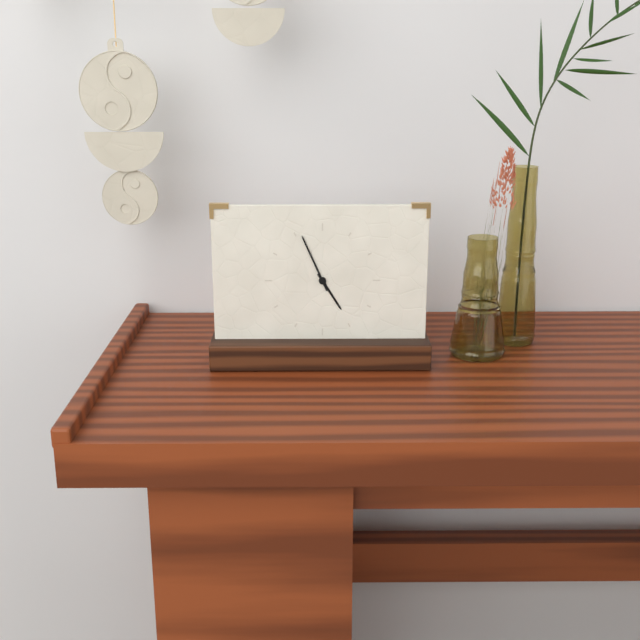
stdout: 4h56
